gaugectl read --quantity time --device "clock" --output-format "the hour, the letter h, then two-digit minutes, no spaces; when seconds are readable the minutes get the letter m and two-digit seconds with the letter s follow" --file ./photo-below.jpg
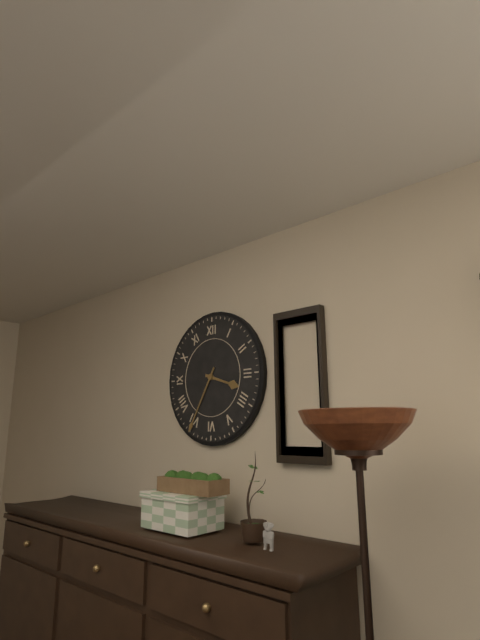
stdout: 3h35
